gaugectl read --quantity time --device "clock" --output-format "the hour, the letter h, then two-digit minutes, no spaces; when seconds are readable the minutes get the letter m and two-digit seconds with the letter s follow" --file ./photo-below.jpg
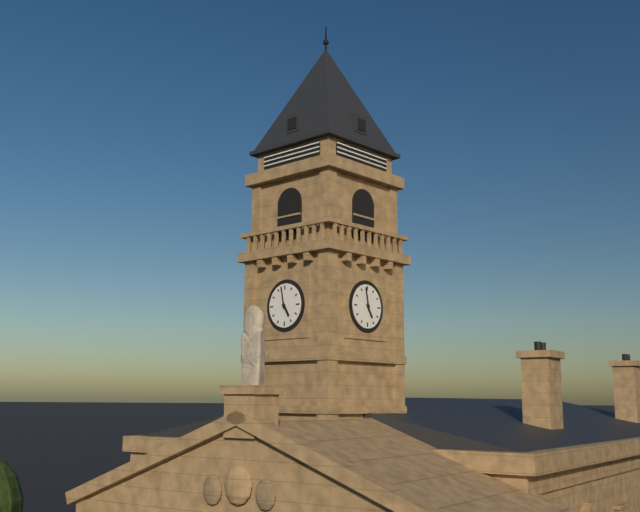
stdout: 4h58
